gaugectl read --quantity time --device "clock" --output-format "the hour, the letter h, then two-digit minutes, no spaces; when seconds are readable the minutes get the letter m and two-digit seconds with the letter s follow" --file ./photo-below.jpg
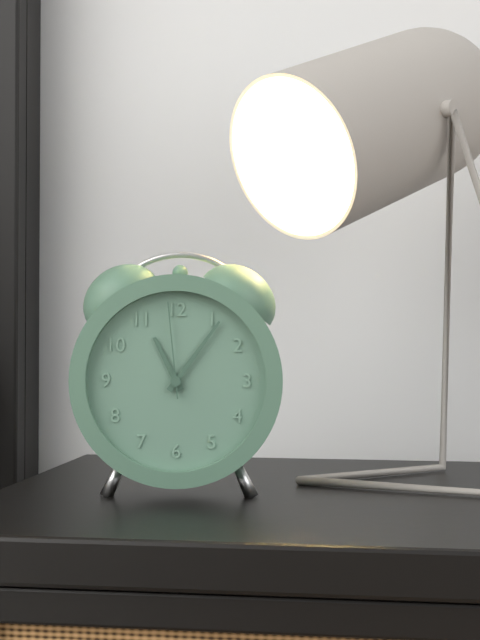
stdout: 11h06m59s
